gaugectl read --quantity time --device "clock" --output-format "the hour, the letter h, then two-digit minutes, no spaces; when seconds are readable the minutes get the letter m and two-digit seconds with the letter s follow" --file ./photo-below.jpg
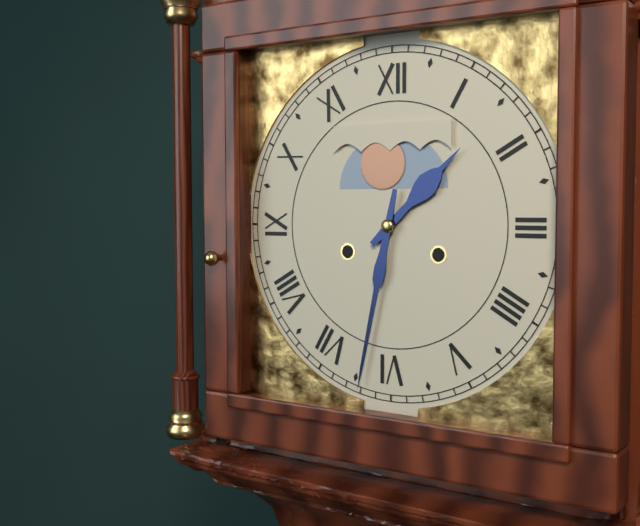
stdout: 1h32
